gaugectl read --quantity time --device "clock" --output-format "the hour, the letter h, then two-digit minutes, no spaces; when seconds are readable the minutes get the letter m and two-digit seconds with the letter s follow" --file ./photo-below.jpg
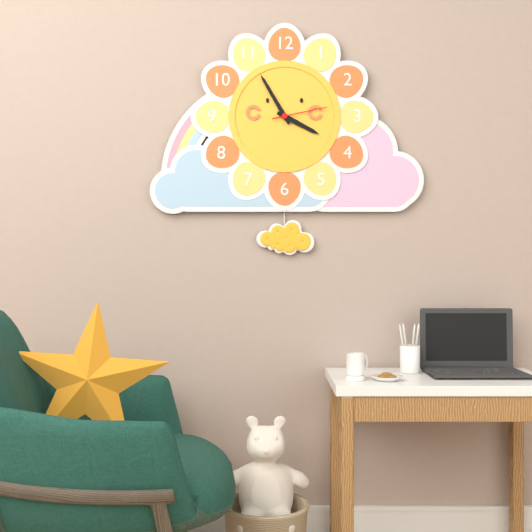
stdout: 3h55m13s
